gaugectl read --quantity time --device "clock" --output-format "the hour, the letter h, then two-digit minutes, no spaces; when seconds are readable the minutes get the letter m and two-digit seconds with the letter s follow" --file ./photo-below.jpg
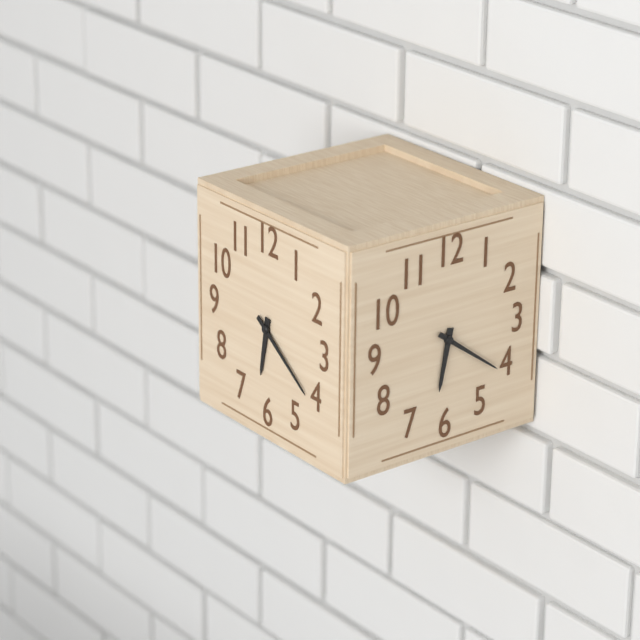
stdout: 6h21
